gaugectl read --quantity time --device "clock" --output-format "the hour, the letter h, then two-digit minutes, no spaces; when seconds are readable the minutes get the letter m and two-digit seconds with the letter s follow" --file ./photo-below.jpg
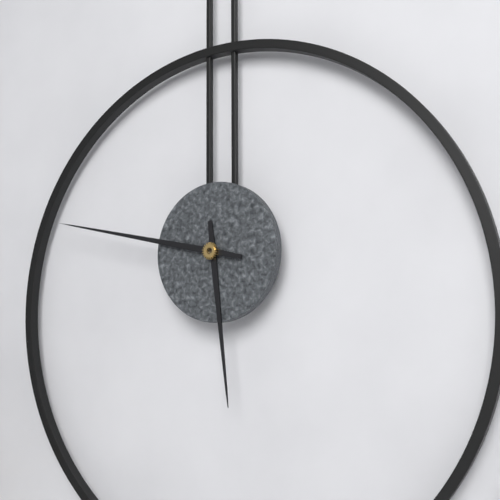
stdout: 5h47
